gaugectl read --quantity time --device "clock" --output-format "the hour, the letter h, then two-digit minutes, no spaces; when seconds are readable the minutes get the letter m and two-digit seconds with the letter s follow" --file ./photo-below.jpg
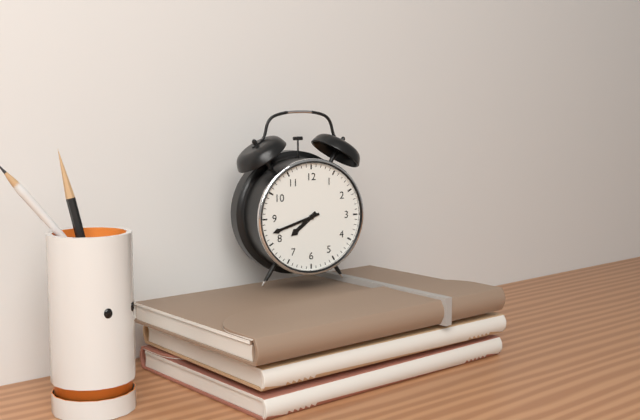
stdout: 7h42
